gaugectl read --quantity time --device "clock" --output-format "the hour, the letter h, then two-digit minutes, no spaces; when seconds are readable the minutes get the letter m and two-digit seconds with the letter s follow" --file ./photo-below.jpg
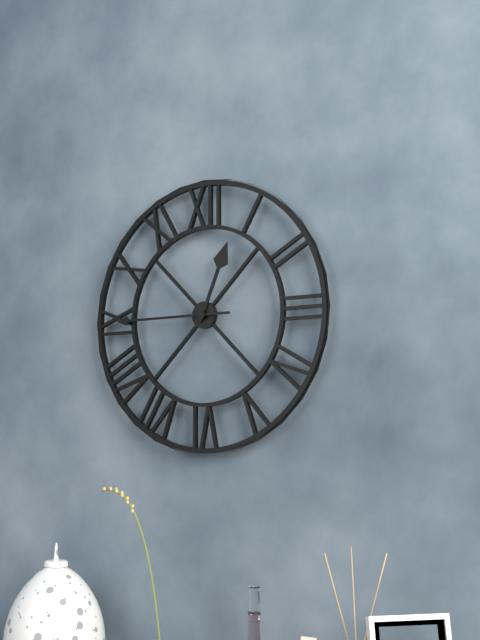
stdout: 12h45
